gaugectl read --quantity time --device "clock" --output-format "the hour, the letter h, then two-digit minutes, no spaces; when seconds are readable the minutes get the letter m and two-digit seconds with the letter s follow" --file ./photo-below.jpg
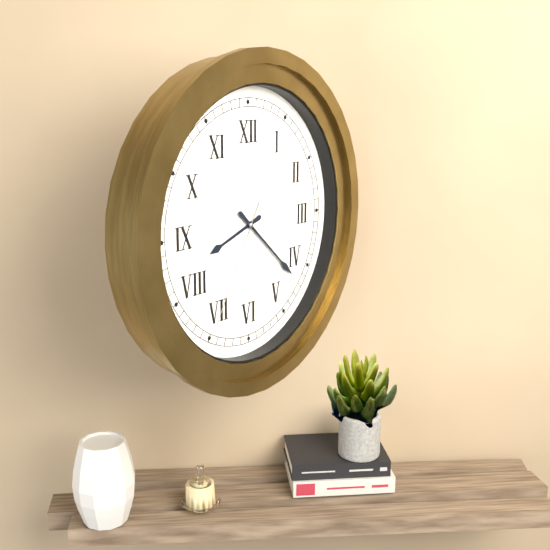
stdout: 8h22m35s
